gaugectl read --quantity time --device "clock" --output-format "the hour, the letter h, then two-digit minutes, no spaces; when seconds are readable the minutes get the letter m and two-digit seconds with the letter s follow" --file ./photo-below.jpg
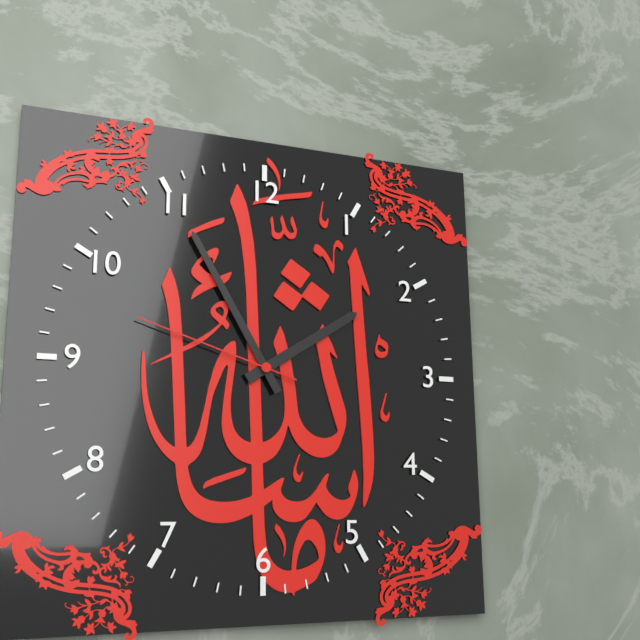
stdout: 1h55m48s
